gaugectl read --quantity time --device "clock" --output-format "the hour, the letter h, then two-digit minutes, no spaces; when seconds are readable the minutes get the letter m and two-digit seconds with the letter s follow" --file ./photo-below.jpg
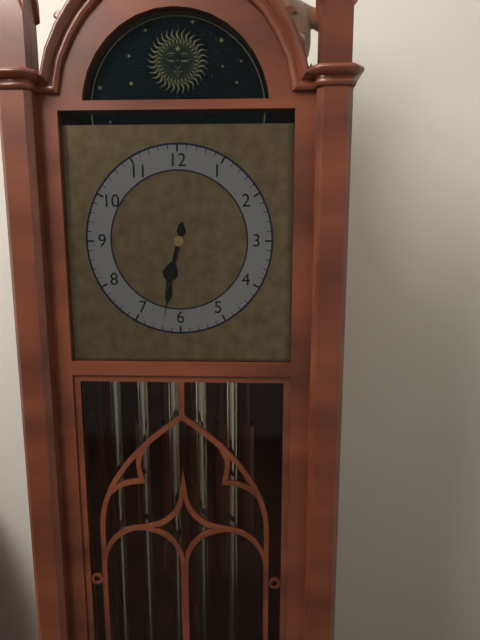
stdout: 6h32
